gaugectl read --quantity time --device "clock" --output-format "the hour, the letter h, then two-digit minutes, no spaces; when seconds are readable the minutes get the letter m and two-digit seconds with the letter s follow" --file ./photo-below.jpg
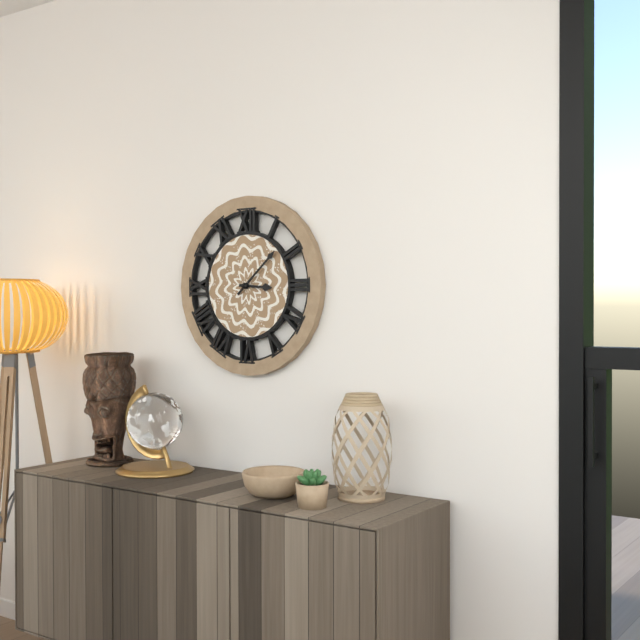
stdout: 3h08
